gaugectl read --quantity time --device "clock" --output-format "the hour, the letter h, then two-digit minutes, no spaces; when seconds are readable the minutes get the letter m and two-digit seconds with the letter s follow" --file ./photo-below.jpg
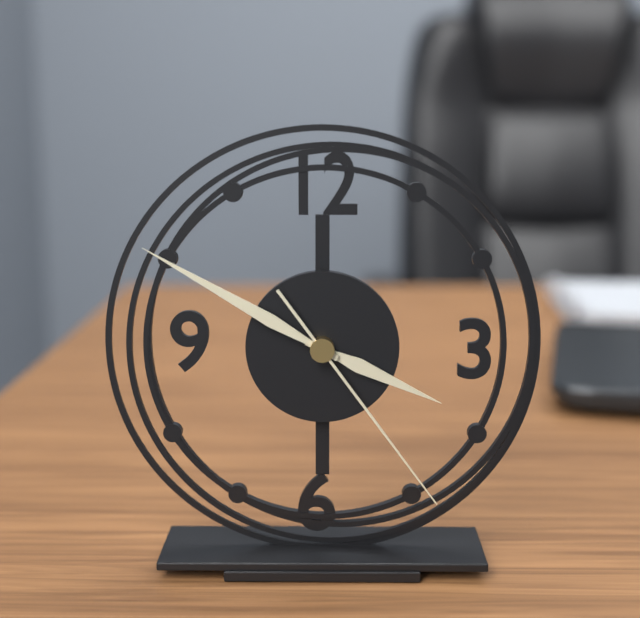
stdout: 3h50m24s
